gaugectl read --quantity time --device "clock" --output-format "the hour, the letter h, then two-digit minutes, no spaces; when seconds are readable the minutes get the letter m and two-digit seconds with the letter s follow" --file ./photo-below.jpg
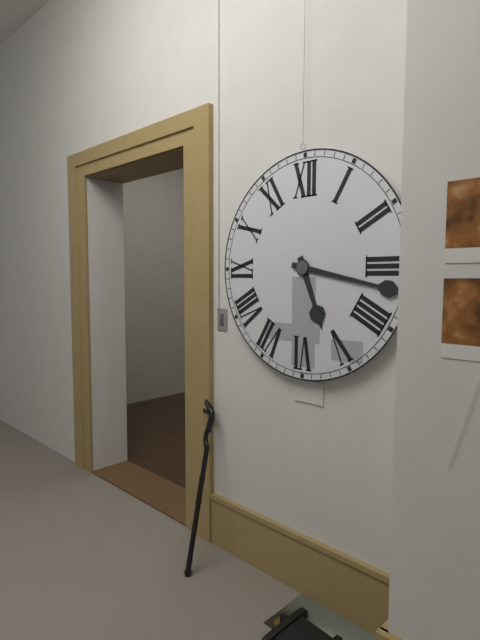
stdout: 5h17
